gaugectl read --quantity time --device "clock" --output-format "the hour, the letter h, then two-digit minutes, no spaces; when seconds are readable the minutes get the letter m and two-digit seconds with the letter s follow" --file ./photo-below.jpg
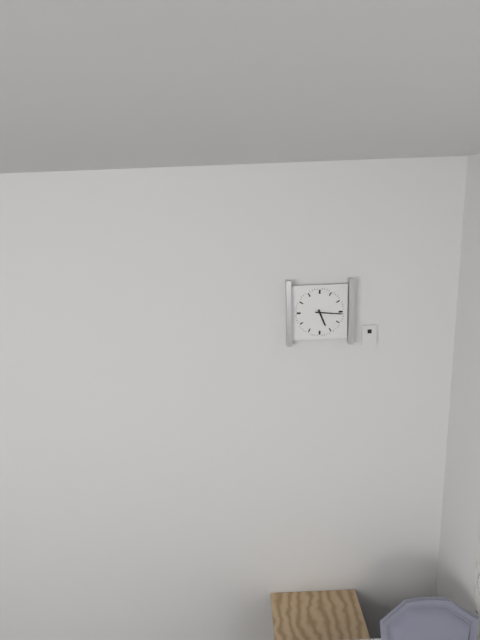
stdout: 5h16
